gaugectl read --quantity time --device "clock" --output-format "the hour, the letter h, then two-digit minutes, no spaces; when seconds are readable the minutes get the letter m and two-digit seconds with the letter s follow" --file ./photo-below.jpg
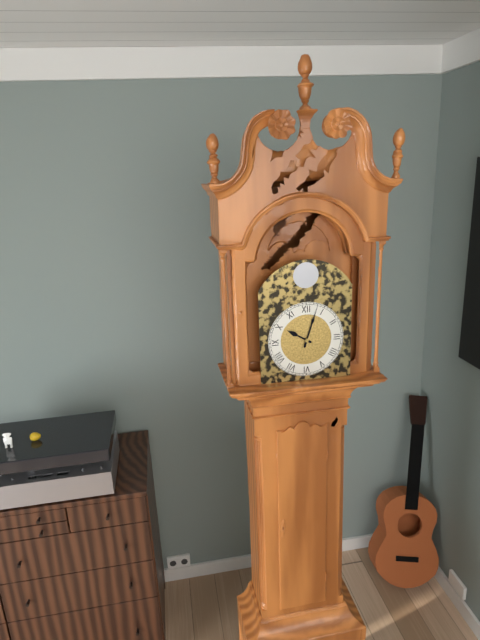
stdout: 10h03
